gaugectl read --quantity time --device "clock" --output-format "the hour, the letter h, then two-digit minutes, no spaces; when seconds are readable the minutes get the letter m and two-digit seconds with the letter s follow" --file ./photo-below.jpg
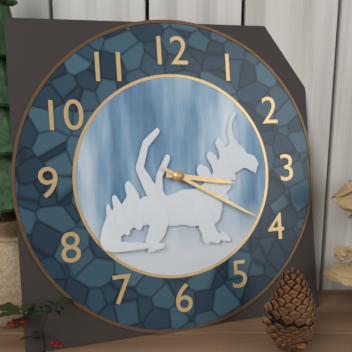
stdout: 3h20
